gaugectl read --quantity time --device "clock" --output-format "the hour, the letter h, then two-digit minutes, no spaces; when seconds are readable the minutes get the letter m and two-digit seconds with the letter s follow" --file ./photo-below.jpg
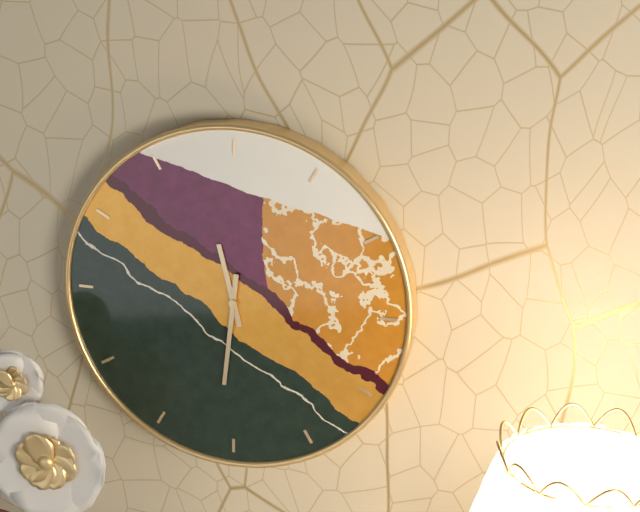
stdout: 11h31
